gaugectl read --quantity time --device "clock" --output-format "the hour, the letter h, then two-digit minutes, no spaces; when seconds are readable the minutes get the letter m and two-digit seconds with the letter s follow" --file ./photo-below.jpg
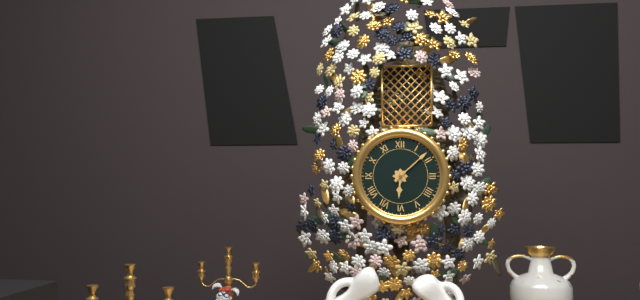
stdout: 6h08
